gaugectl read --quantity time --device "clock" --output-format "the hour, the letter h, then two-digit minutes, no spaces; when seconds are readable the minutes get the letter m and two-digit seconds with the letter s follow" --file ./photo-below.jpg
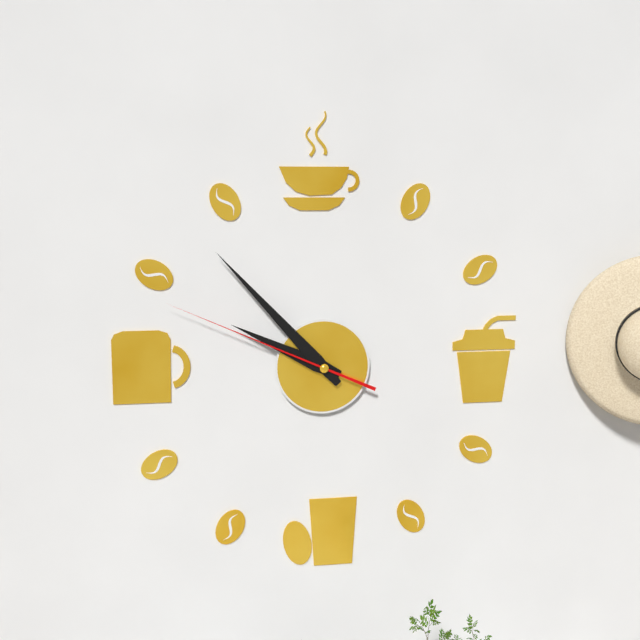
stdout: 9h53m49s
